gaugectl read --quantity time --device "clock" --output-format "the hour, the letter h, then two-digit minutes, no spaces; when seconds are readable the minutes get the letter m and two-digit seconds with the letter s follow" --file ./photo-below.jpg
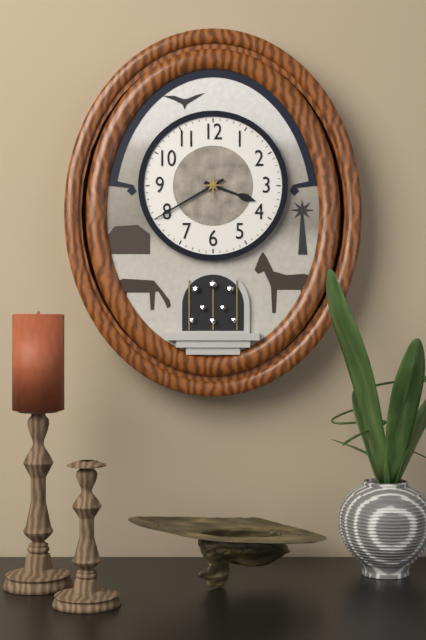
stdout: 3h40
